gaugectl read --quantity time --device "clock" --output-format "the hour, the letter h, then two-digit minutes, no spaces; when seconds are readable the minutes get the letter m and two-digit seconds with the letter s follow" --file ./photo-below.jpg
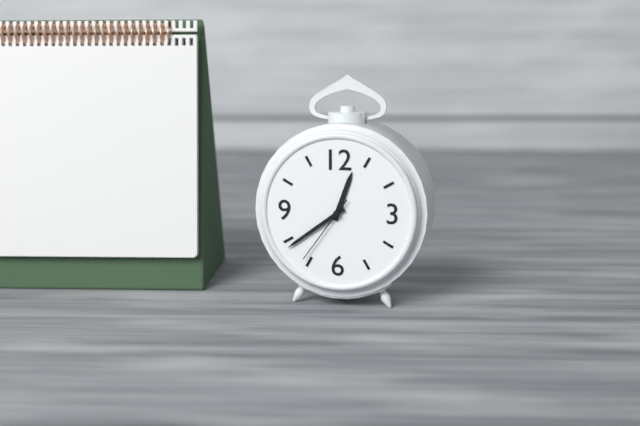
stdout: 12h39m36s
